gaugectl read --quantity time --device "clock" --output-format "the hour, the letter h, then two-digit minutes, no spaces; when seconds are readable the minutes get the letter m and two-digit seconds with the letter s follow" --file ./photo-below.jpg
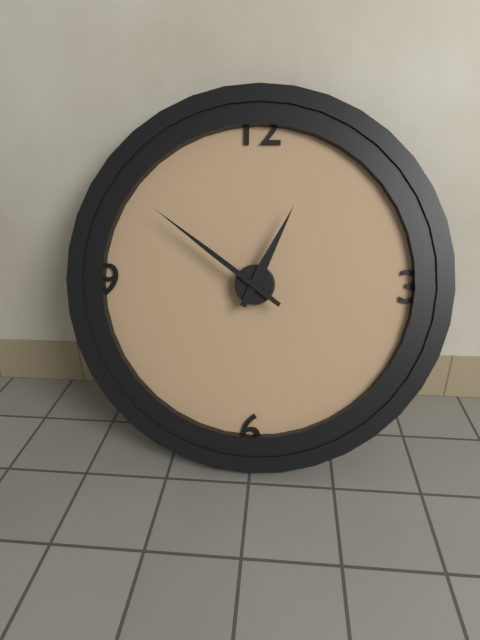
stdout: 12h51
